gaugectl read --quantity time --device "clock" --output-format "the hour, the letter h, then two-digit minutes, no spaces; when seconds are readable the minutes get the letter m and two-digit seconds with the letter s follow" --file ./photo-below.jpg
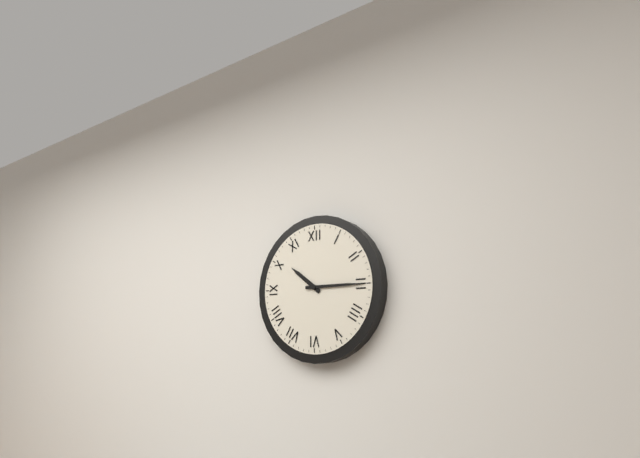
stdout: 10h15
